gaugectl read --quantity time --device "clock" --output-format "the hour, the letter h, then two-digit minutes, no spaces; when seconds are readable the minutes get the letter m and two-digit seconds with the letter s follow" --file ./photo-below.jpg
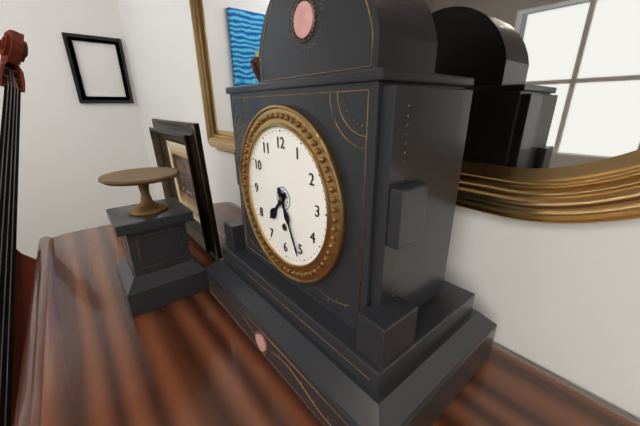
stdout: 7h26
